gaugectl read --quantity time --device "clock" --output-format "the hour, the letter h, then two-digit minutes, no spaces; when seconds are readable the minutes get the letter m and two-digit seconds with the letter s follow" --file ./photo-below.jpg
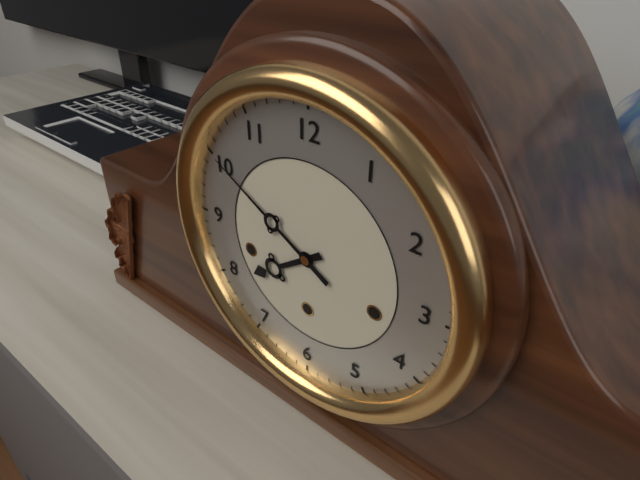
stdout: 7h50
